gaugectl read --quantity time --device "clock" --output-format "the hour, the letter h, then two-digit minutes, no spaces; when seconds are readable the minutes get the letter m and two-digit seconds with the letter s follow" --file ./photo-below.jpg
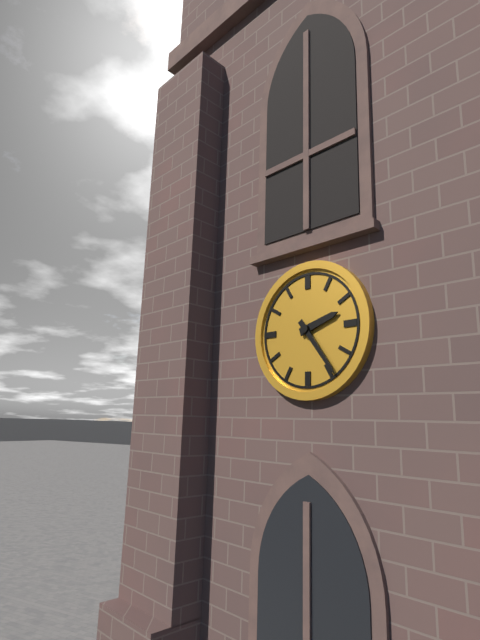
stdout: 2h24
